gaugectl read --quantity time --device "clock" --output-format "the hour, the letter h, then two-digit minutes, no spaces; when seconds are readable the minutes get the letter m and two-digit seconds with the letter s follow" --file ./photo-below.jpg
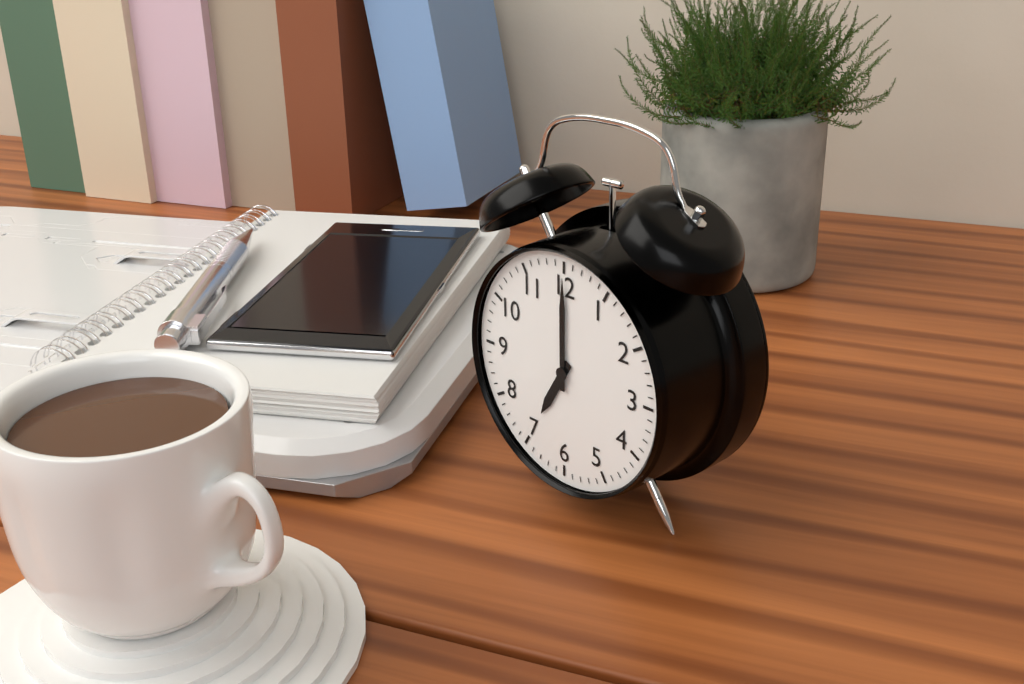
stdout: 7h00
